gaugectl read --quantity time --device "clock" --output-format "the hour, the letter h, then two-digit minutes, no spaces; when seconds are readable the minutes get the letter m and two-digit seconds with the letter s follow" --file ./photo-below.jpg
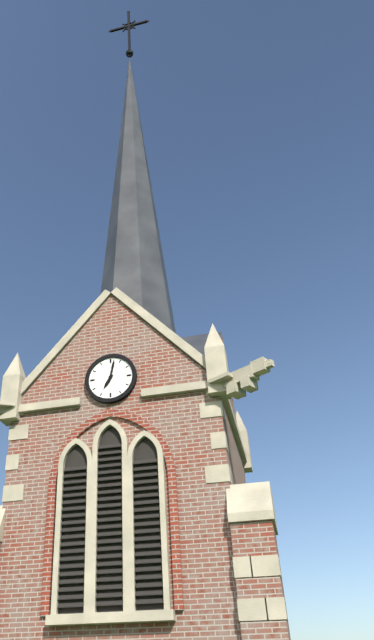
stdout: 7h02
